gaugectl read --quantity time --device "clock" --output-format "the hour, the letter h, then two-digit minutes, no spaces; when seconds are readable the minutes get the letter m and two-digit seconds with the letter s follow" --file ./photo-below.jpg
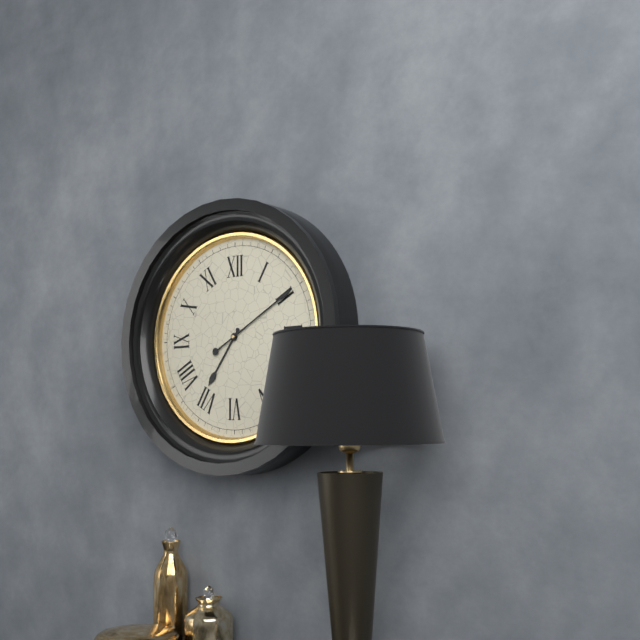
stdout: 7h10
